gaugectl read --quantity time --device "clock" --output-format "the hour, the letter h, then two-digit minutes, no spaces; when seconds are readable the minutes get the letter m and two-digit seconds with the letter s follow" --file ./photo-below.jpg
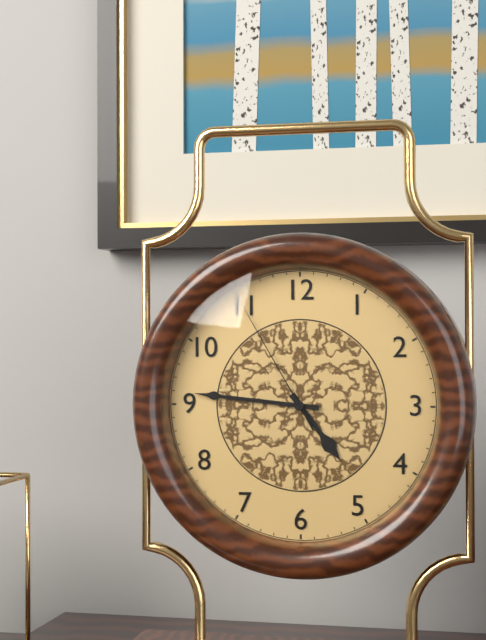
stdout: 4h46m55s
